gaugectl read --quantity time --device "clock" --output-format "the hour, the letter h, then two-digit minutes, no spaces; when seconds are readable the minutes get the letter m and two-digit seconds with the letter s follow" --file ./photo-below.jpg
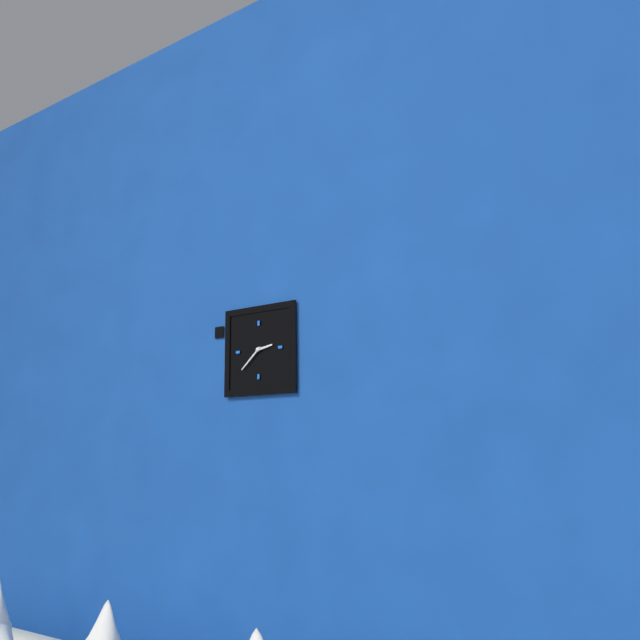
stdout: 2h38
